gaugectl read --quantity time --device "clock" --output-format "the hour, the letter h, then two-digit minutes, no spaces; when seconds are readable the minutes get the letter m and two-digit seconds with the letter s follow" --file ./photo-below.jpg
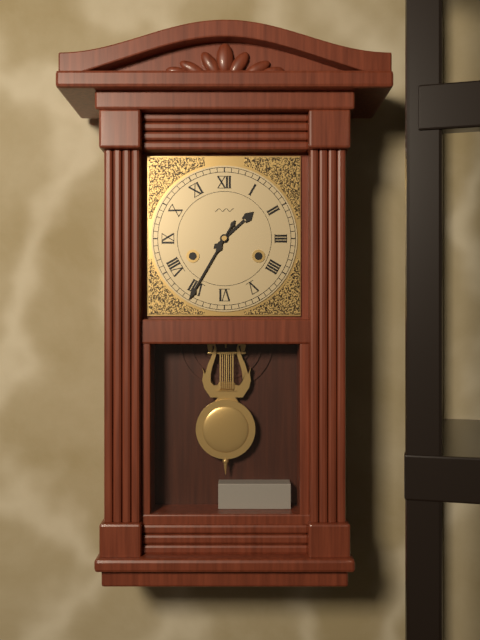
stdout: 1h35
